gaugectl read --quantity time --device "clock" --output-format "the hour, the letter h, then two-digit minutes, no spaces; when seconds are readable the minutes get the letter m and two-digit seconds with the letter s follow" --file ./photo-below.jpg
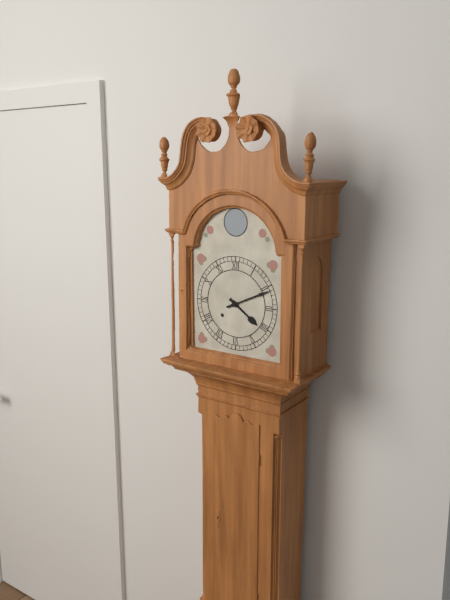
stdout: 4h11
